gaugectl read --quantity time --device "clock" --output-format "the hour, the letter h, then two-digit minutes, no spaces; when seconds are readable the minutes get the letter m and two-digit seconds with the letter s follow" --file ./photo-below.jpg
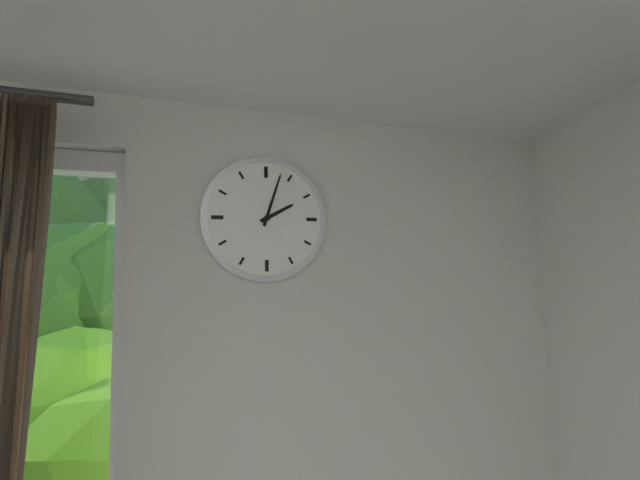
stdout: 2h03
